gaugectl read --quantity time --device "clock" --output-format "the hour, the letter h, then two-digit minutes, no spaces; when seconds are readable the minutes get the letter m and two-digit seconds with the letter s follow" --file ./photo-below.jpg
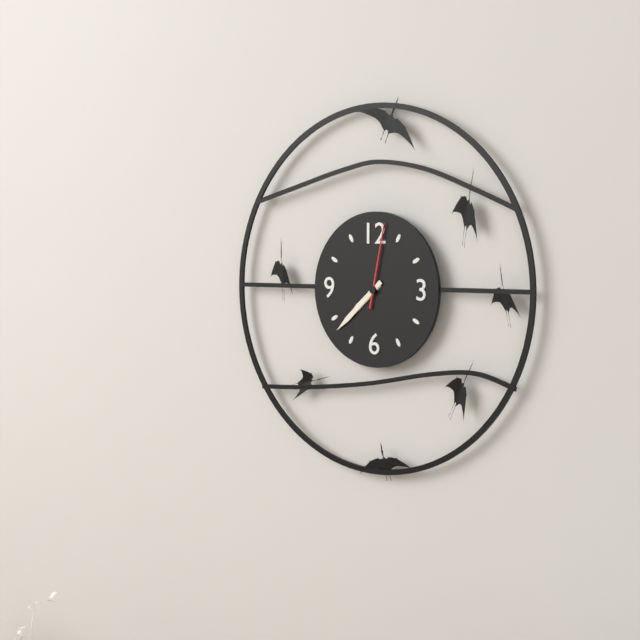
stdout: 7h38m02s
